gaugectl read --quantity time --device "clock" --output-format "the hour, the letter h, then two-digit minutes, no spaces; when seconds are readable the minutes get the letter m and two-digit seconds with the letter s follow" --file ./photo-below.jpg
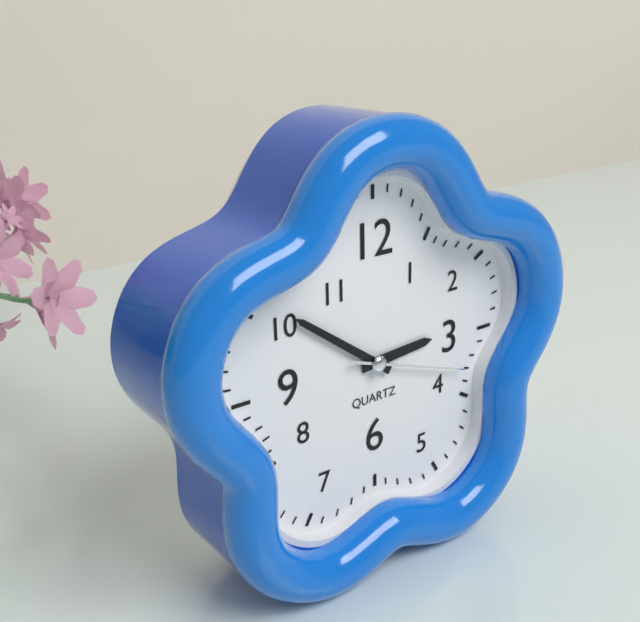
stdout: 2h51m18s
